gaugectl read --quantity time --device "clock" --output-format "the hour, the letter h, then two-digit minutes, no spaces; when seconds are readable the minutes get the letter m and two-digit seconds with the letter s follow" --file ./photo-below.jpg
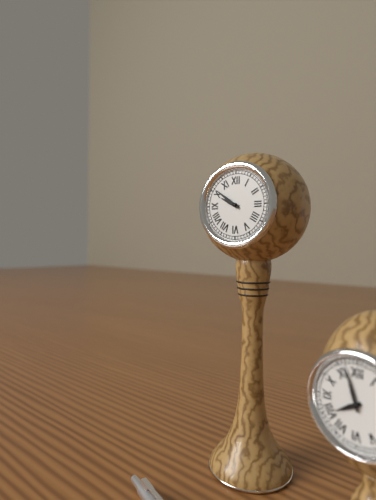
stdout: 9h51
